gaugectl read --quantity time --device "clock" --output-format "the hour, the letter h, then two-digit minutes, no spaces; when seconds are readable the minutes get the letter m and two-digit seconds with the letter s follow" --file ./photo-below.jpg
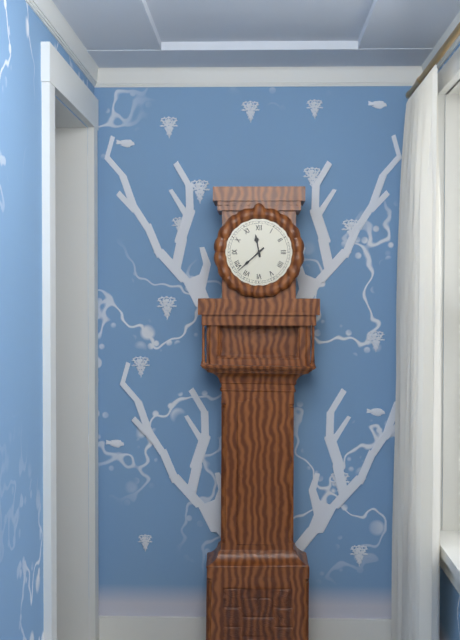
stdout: 11h38
